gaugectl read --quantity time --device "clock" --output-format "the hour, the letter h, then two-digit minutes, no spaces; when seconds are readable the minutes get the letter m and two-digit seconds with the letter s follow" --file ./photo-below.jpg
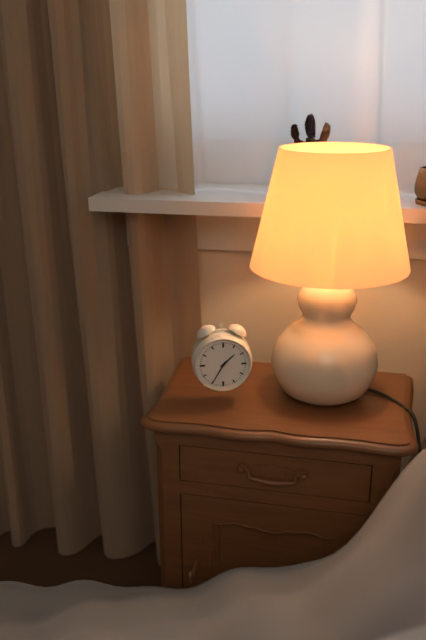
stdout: 1h35
